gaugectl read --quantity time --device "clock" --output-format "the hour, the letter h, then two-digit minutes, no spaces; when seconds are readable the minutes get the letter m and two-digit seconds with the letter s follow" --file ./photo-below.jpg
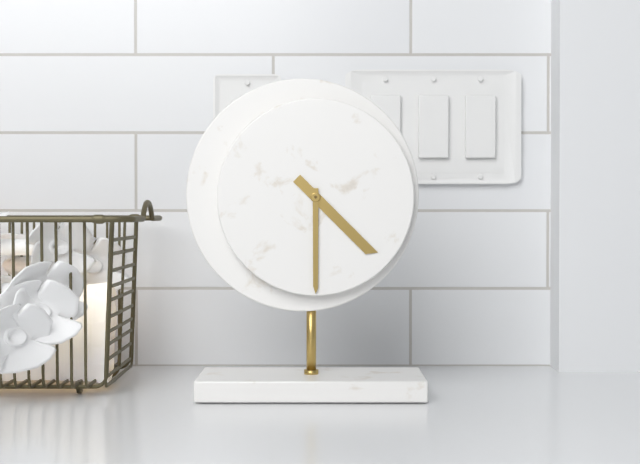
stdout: 4h30
